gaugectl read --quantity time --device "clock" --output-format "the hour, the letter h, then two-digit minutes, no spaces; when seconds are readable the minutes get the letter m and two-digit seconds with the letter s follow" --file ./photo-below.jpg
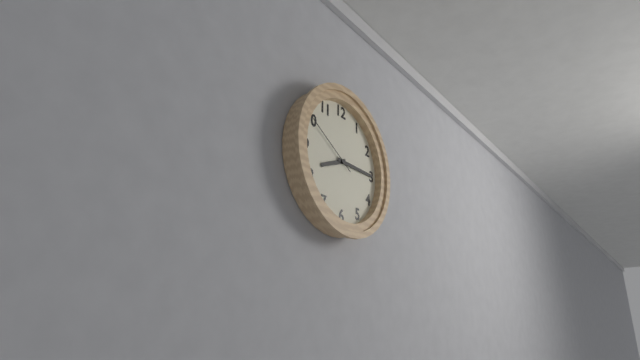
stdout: 8h15m50s
